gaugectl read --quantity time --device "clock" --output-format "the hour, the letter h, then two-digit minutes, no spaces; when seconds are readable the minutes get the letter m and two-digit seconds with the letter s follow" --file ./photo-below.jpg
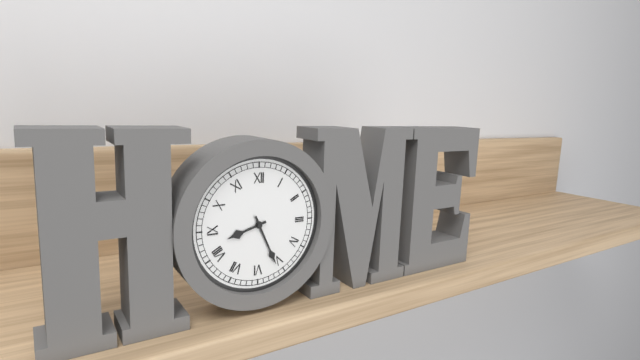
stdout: 8h26
